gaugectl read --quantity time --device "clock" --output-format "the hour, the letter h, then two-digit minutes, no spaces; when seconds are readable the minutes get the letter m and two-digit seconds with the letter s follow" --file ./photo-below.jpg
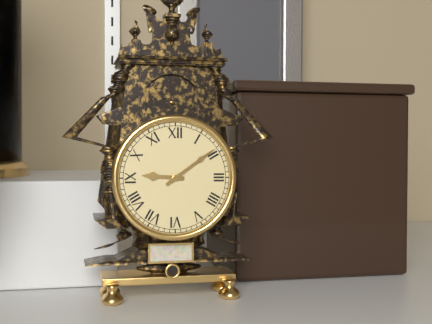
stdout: 9h09
